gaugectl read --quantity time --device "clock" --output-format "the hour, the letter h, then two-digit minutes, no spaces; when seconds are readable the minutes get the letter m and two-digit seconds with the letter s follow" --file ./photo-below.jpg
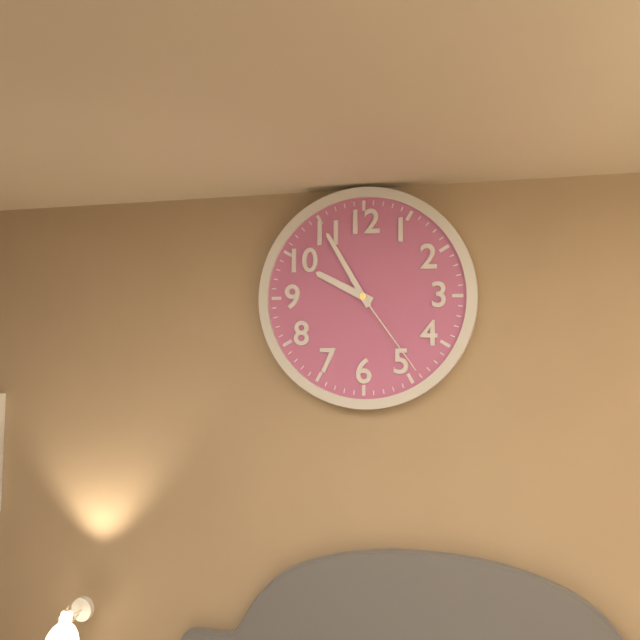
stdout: 9h55m24s
